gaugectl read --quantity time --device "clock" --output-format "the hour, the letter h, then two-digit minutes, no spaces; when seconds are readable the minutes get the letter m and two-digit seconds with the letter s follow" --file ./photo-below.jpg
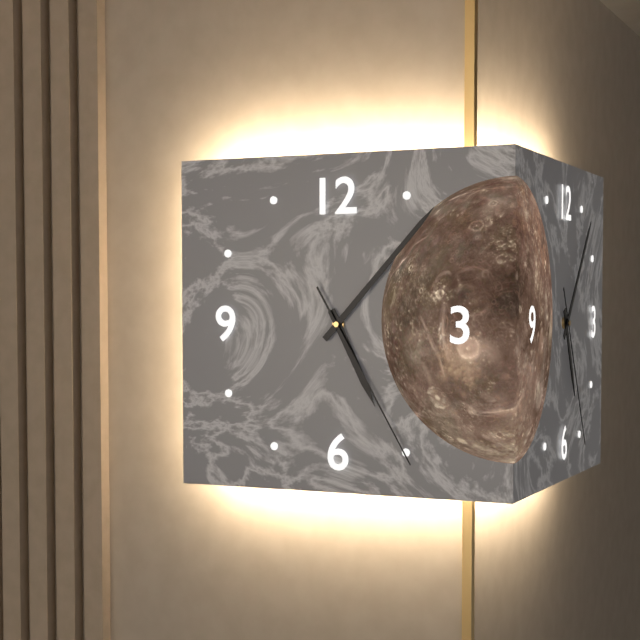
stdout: 5h07m25s
